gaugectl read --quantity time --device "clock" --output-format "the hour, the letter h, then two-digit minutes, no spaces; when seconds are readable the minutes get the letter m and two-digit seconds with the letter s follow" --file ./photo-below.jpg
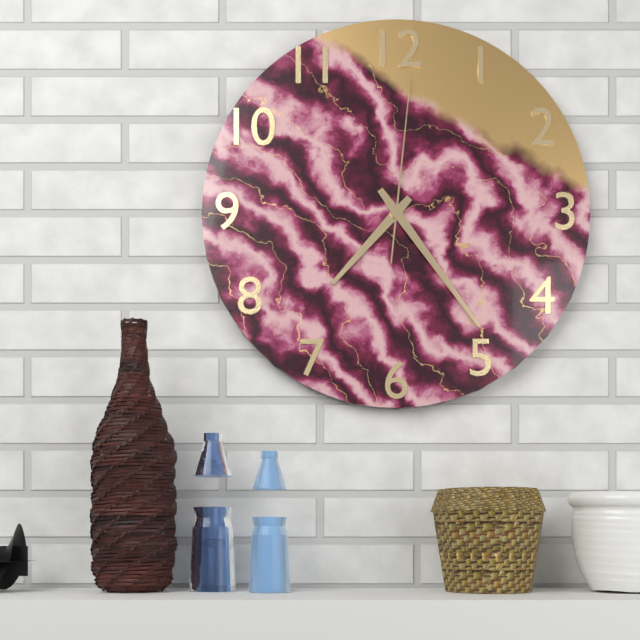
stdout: 7h24m01s
